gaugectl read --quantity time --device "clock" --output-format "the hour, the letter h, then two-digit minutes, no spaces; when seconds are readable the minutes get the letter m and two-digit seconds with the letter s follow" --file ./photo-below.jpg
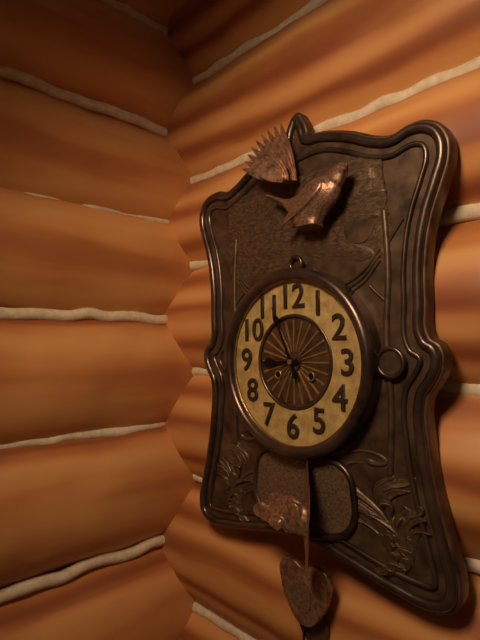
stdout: 8h56
